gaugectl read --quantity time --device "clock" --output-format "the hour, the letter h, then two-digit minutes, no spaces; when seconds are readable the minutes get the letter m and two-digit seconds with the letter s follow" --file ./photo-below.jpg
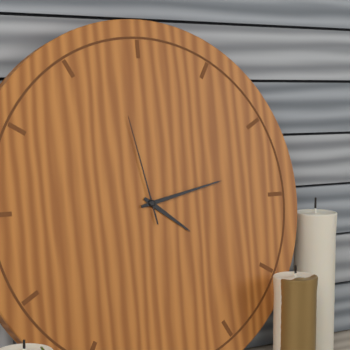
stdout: 4h13m58s
